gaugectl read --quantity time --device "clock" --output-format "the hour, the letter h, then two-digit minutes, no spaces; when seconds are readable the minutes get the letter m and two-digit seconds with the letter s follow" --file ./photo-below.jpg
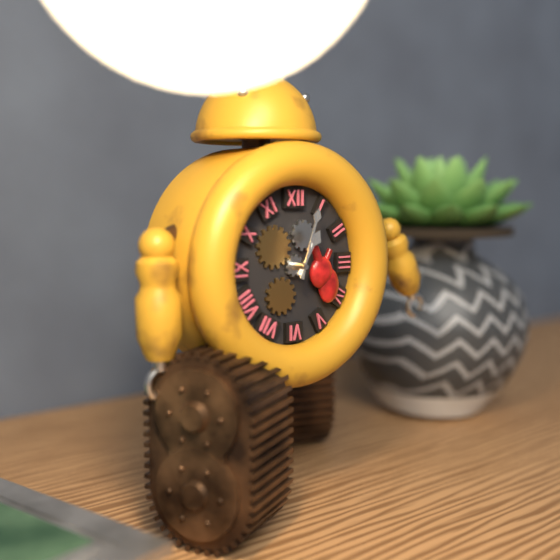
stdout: 1h03
